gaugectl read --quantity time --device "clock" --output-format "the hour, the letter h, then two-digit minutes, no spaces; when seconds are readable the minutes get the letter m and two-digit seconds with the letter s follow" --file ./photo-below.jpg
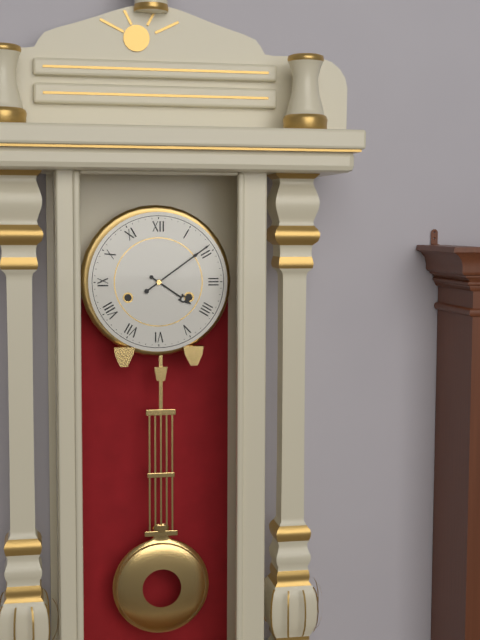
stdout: 4h09
